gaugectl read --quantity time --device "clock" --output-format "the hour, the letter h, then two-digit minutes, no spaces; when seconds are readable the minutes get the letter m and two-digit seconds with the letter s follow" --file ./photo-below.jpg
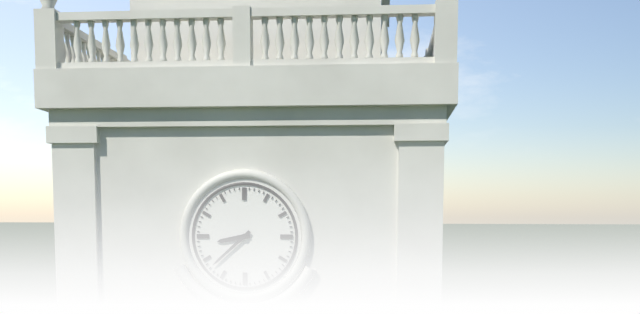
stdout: 8h38
